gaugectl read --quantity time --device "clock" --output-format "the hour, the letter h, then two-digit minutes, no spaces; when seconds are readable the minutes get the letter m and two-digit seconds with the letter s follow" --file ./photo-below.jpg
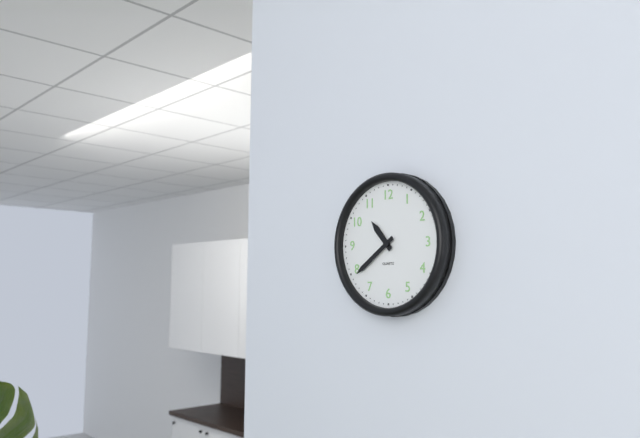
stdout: 10h39
